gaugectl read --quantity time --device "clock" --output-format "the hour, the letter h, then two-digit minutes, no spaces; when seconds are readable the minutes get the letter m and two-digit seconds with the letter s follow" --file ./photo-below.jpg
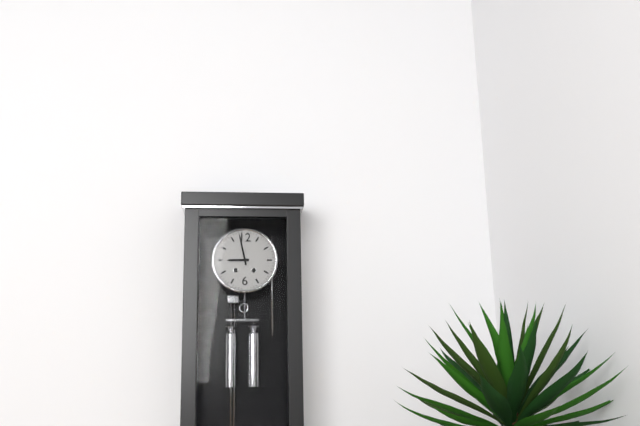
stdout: 8h58
